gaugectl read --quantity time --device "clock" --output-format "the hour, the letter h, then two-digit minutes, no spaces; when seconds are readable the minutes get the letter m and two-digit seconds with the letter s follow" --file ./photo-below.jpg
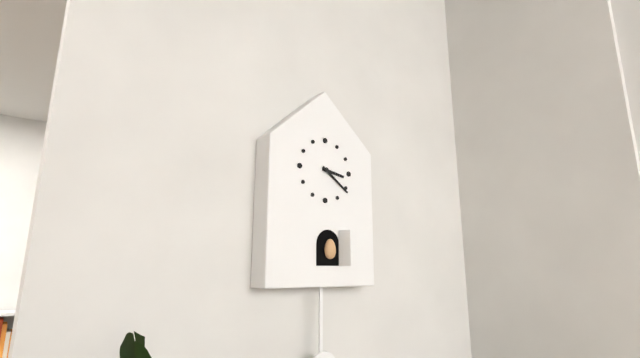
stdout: 3h21
